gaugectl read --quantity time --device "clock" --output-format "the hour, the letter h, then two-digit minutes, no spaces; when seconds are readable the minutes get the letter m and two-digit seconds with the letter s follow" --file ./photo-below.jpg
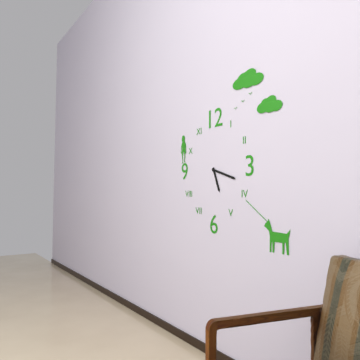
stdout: 5h18
